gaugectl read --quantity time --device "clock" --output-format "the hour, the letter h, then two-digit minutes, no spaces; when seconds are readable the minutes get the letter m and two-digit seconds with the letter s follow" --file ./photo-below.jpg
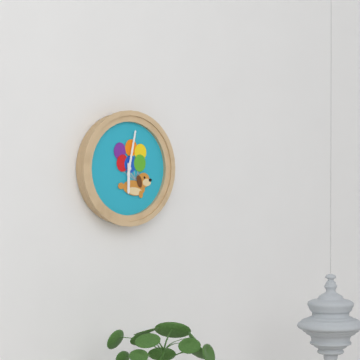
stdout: 6h02
